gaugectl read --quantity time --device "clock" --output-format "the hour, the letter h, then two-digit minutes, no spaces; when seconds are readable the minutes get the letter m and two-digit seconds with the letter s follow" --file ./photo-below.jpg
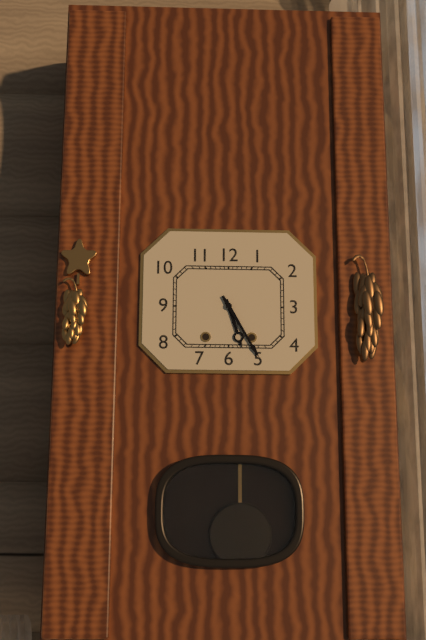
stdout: 5h25
